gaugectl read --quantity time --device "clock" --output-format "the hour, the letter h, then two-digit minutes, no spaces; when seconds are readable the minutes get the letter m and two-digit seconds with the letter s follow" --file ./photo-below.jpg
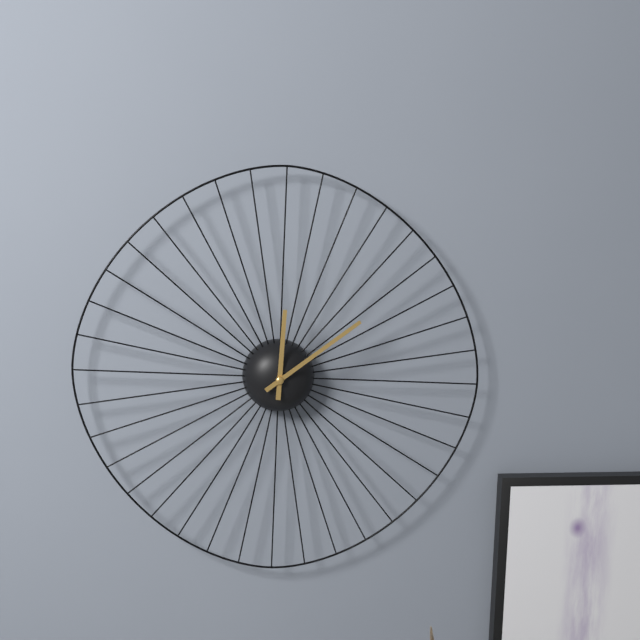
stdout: 12h09
